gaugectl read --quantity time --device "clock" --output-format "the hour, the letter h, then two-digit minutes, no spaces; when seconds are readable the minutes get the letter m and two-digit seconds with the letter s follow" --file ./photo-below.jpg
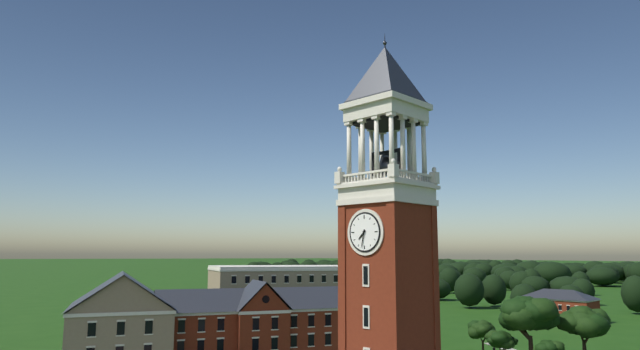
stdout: 7h32
